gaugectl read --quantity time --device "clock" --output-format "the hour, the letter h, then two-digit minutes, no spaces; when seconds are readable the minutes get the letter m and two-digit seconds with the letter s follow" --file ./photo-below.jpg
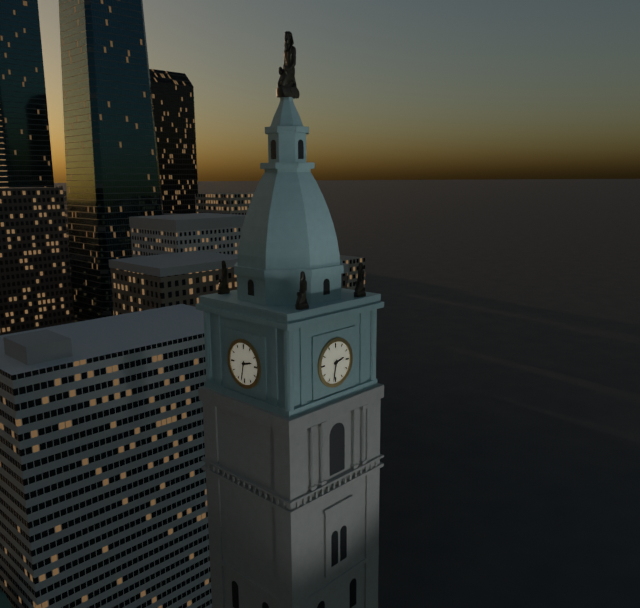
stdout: 2h32
